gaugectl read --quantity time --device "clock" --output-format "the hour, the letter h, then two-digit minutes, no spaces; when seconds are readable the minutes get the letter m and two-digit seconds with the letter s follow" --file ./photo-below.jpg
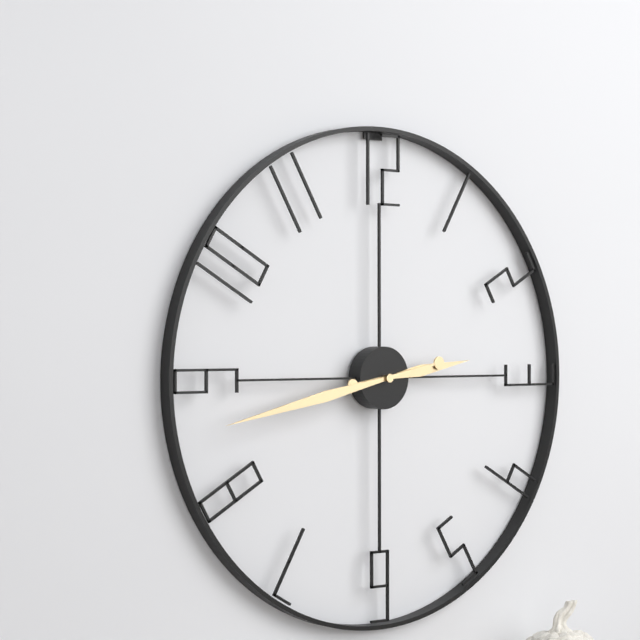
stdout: 2h43
